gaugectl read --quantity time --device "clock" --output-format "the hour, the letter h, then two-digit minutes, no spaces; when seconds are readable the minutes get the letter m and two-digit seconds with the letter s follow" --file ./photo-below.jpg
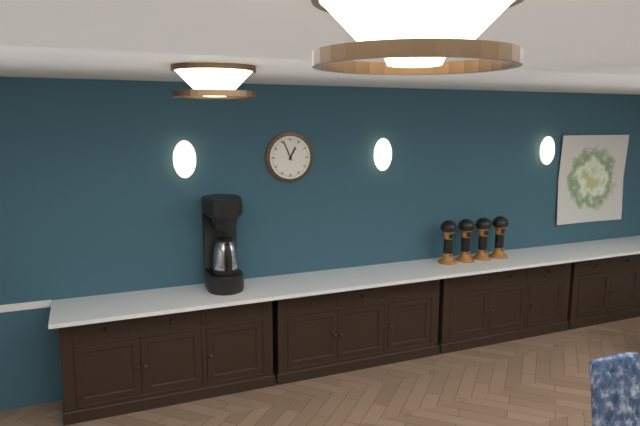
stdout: 12h56
